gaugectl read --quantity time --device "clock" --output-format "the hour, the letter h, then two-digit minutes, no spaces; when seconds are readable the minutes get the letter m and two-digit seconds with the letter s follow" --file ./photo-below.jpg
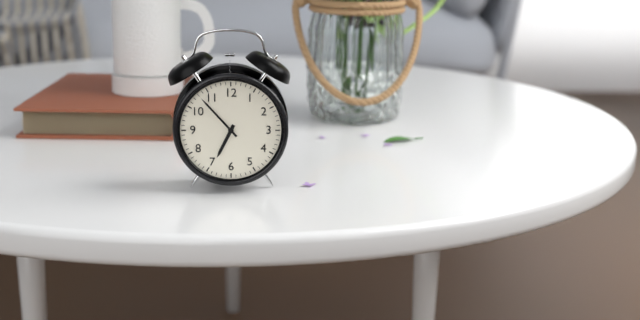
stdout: 6h53
